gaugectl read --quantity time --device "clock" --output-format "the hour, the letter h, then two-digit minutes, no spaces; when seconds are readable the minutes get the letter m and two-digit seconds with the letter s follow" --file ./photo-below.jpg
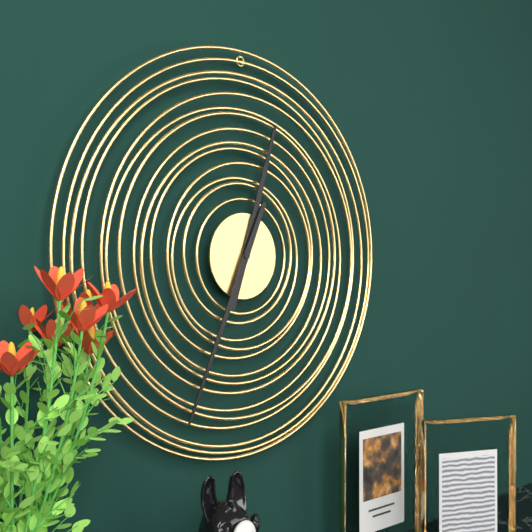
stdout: 12h34
